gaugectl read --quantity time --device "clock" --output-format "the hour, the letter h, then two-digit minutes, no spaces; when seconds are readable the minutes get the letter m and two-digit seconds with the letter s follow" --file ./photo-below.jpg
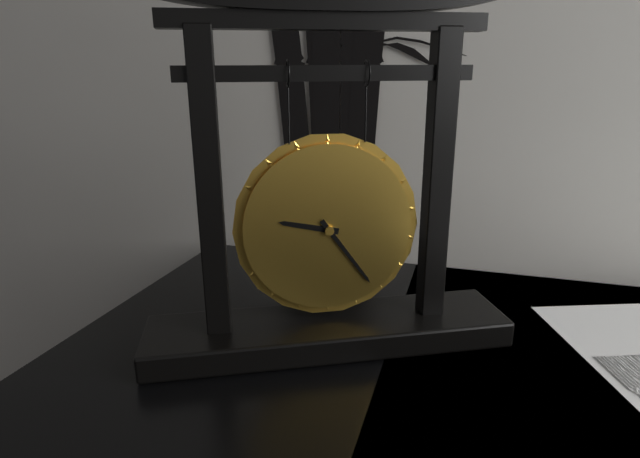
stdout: 9h24
